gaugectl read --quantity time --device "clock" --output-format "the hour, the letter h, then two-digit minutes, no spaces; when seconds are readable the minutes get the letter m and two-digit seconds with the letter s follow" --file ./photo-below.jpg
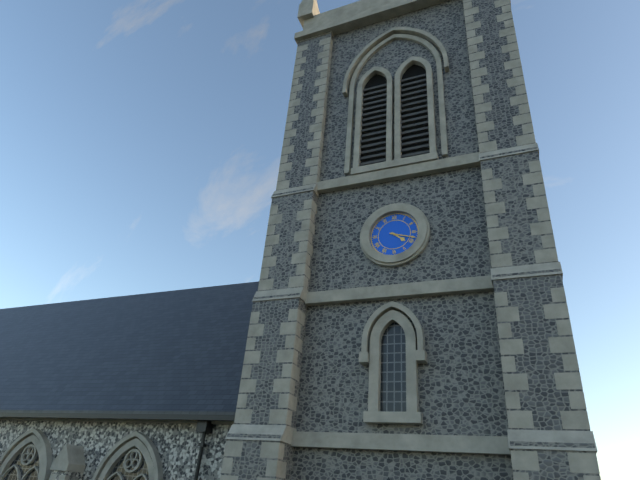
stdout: 4h18
